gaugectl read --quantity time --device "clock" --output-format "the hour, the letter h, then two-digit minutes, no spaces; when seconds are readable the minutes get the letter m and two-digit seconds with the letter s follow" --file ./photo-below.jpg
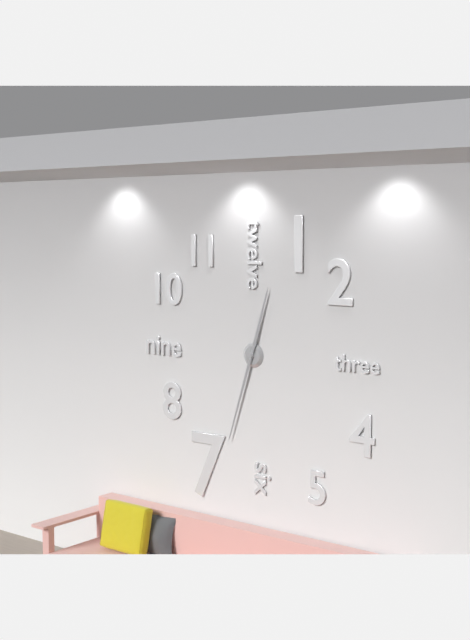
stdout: 12h33
